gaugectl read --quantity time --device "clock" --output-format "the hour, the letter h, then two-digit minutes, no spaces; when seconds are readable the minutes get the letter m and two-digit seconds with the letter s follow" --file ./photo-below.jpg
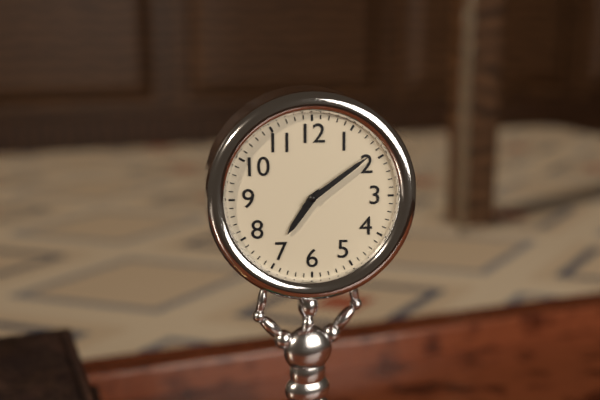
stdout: 7h09
